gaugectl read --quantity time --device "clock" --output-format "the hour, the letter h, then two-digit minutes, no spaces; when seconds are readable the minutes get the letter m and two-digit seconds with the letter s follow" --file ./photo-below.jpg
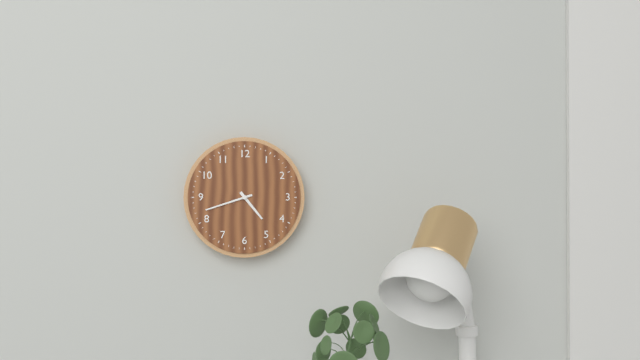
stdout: 4h42
